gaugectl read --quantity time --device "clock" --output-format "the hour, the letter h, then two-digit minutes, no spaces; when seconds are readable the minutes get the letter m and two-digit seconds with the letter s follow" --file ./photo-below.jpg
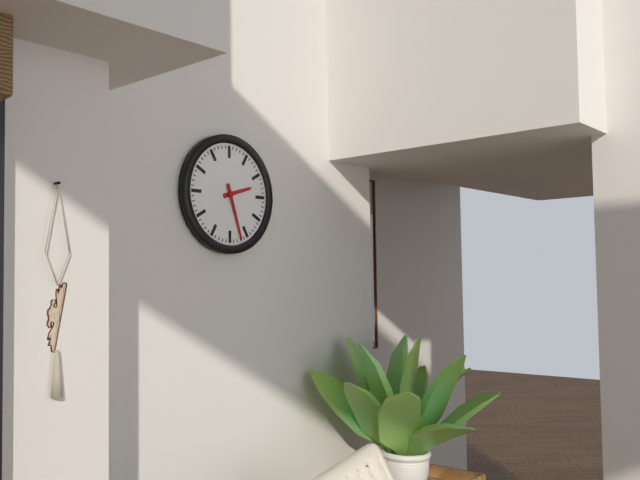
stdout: 2h27
